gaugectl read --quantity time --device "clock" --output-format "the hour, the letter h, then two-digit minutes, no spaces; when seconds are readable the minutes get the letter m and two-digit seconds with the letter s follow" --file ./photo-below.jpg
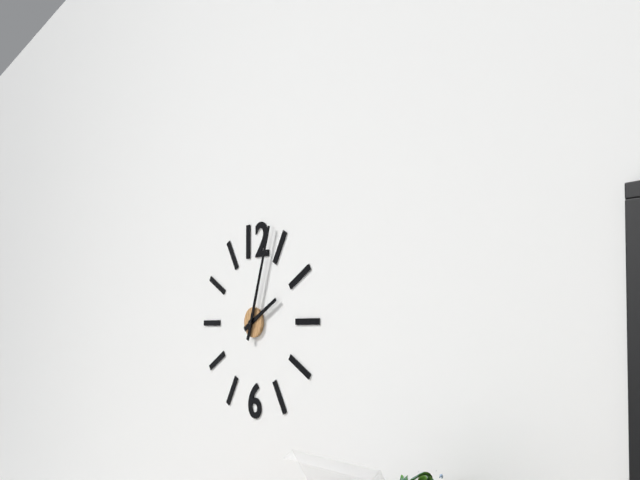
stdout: 2h03
